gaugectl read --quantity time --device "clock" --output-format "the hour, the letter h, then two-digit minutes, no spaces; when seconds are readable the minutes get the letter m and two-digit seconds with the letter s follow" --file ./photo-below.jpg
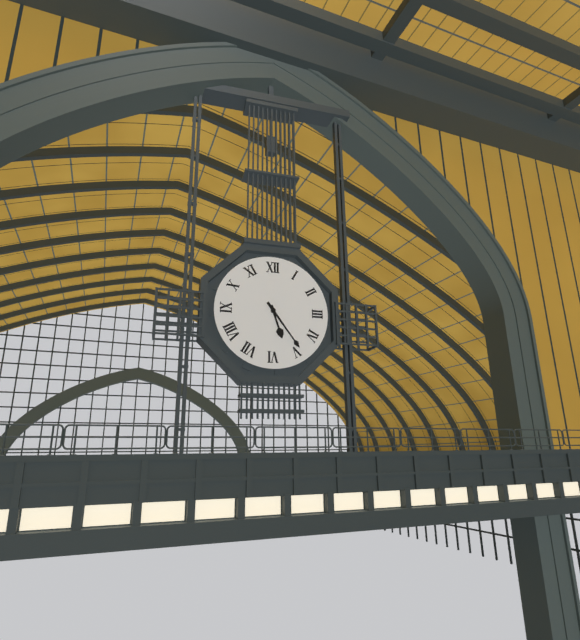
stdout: 5h24
